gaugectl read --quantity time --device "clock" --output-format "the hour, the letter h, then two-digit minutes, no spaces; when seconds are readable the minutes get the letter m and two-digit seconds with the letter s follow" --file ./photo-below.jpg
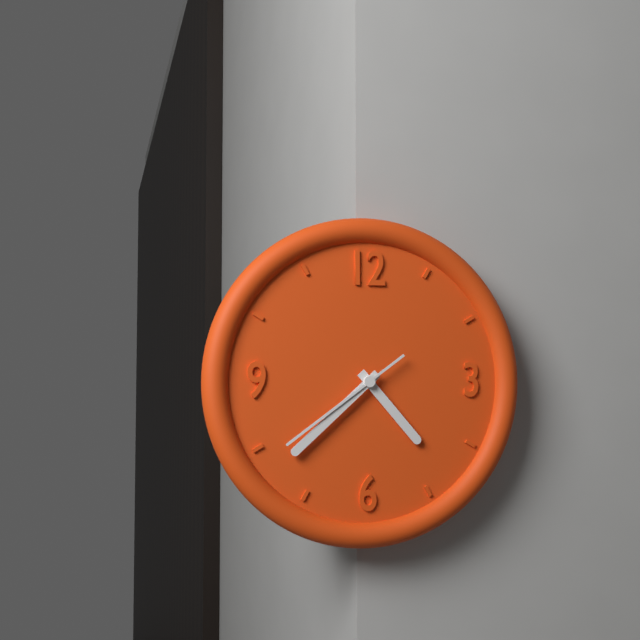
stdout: 4h38m39s
